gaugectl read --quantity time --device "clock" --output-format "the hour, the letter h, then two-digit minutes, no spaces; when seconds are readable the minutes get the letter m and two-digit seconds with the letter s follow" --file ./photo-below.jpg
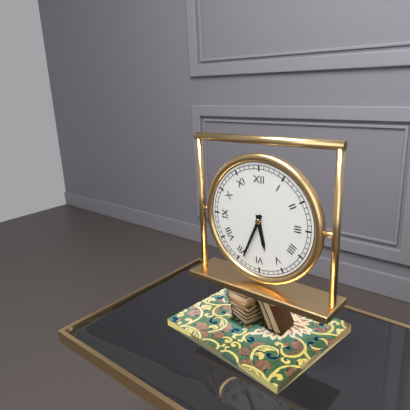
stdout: 5h34
